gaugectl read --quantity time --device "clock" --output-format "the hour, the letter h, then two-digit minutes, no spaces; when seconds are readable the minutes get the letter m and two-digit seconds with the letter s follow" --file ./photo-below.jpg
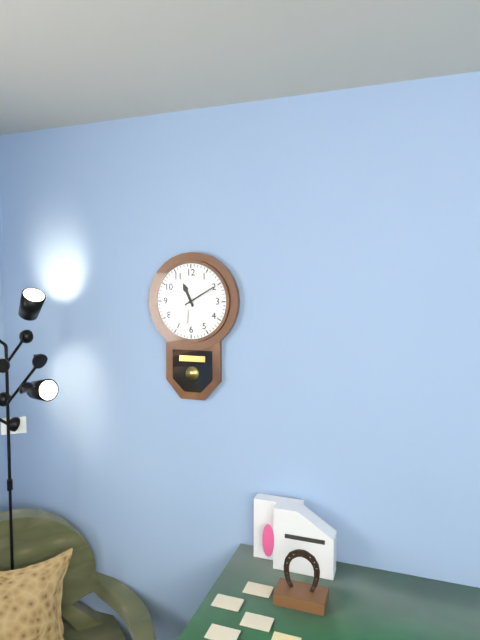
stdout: 11h10
